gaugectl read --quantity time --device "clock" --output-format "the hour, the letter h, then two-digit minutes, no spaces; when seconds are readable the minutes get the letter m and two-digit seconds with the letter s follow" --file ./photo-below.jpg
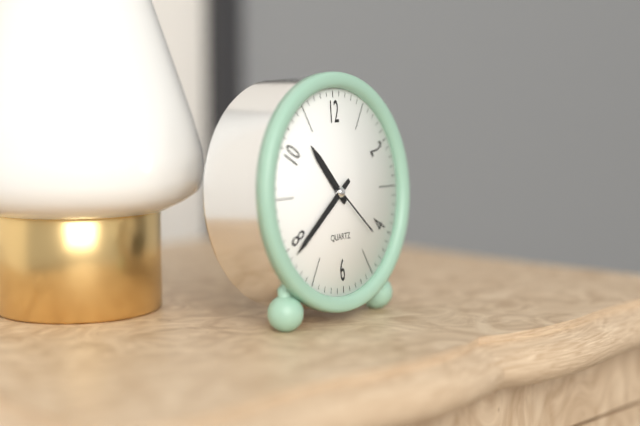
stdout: 10h39m22s
